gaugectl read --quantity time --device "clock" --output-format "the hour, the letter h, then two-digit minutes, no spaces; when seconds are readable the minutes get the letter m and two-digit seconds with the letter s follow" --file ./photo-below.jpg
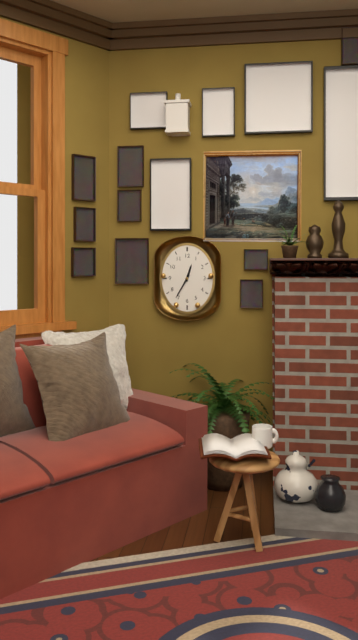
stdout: 12h35
